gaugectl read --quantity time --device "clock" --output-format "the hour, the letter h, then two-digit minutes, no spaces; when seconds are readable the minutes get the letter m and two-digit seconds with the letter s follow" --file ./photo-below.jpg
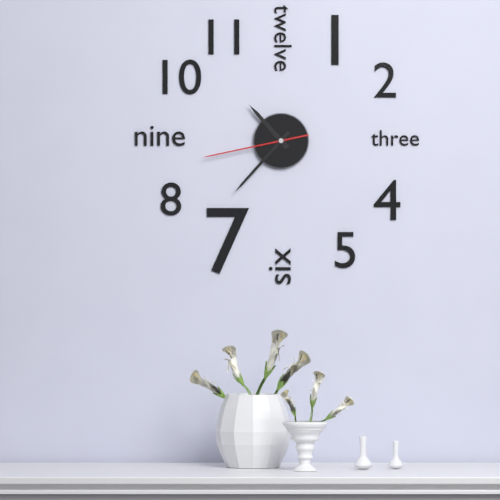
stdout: 10h37m43s
